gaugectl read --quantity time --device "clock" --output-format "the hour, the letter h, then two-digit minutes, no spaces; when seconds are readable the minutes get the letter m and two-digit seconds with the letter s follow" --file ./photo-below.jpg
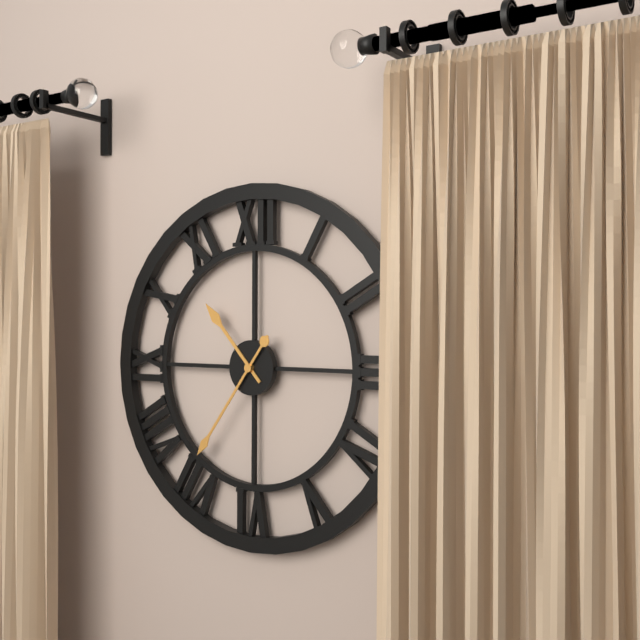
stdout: 10h36
